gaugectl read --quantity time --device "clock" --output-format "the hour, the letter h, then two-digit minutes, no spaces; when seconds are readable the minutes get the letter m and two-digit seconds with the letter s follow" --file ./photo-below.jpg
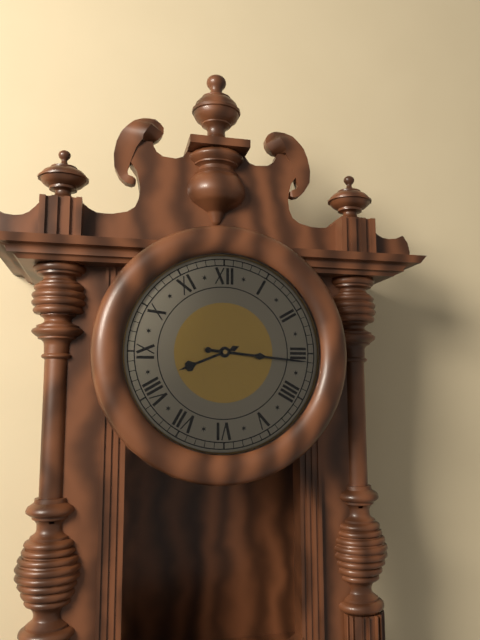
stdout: 8h16
